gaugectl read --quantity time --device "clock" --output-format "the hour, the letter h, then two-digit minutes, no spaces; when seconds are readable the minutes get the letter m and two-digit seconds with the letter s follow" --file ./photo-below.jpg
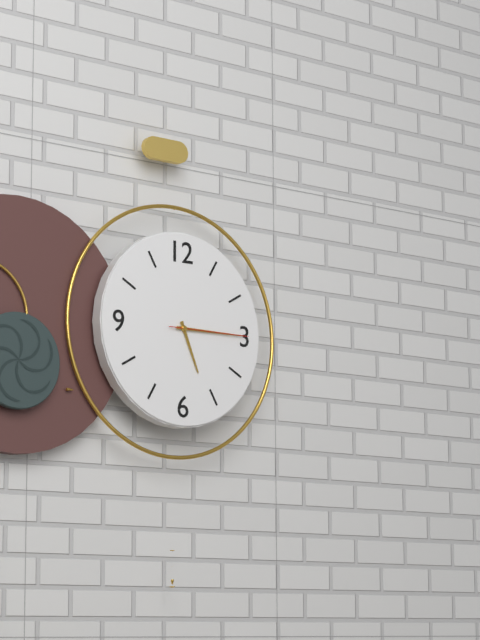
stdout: 5h15m15s
